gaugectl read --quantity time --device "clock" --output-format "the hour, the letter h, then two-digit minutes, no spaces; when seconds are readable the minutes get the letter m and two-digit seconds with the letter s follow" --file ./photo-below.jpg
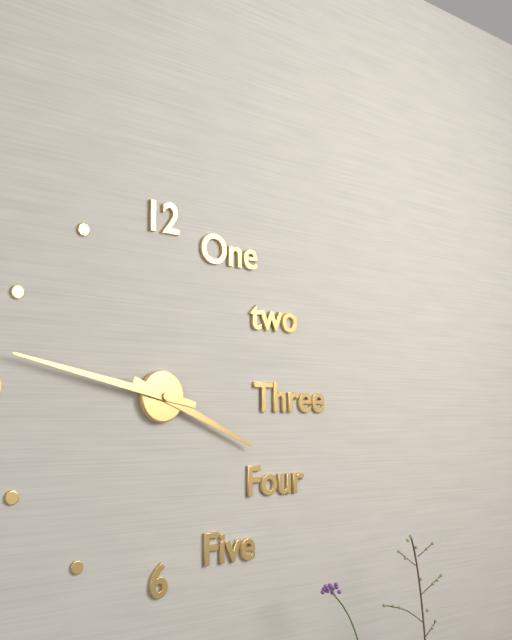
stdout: 3h47
